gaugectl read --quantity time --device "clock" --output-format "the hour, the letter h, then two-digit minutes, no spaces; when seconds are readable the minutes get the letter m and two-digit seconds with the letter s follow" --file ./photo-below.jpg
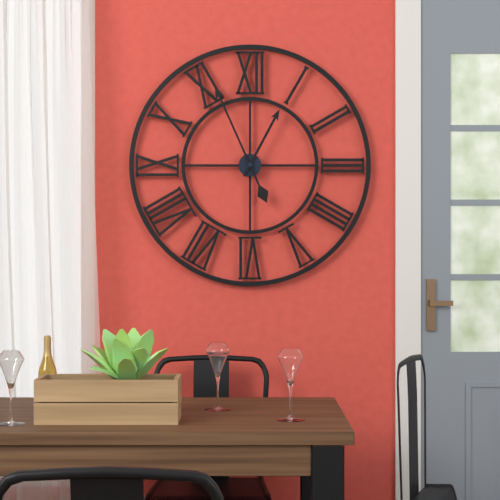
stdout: 12h56
